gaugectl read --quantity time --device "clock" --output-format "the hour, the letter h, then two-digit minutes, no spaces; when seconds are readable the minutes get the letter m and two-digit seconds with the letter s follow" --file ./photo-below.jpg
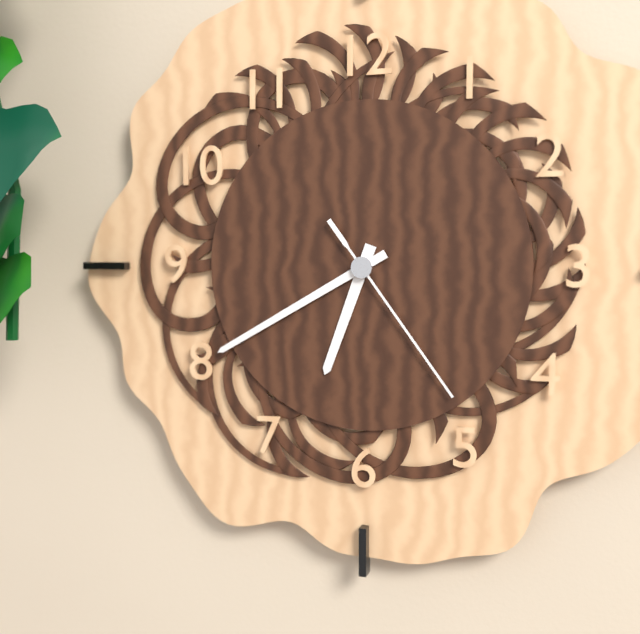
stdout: 6h40m24s
